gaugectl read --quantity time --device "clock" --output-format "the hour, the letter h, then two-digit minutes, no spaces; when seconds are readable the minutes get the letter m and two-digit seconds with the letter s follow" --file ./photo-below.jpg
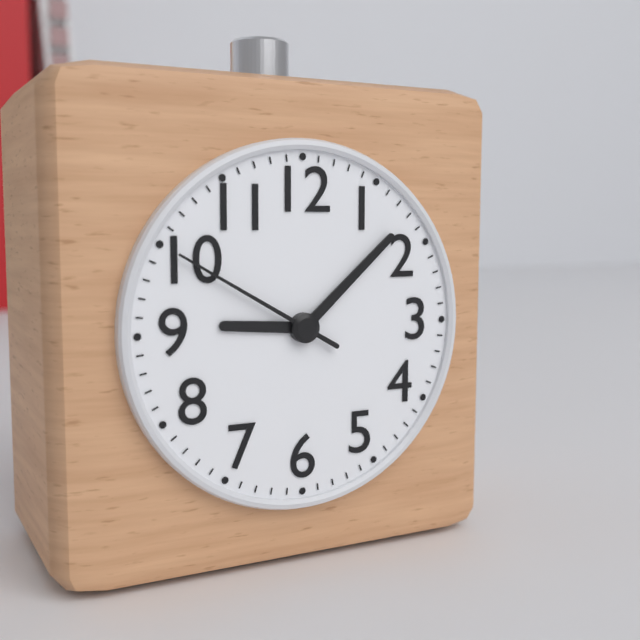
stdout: 9h08m50s
